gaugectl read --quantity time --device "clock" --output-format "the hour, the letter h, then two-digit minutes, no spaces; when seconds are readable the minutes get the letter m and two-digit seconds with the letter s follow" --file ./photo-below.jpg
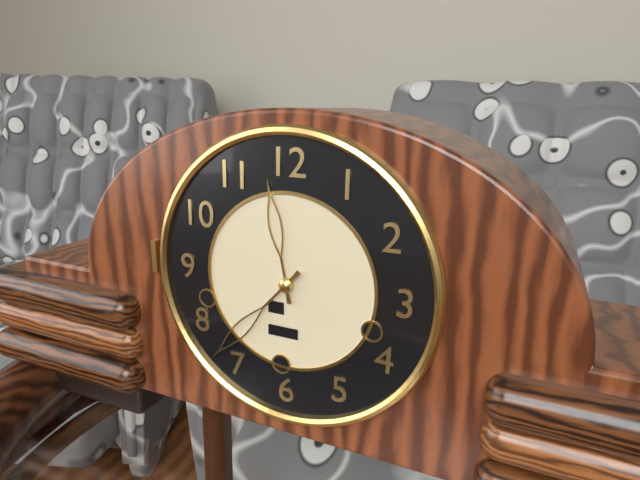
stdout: 11h37
